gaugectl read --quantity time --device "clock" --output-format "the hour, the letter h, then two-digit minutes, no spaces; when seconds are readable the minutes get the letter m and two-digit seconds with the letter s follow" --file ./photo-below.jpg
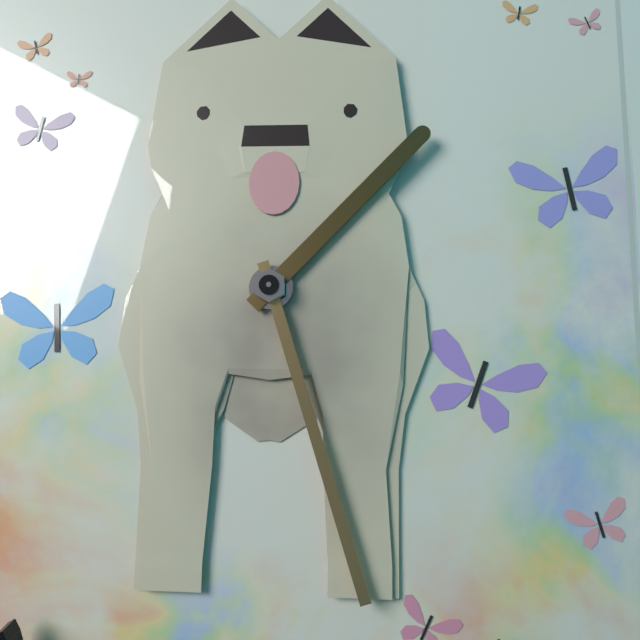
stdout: 1h27
